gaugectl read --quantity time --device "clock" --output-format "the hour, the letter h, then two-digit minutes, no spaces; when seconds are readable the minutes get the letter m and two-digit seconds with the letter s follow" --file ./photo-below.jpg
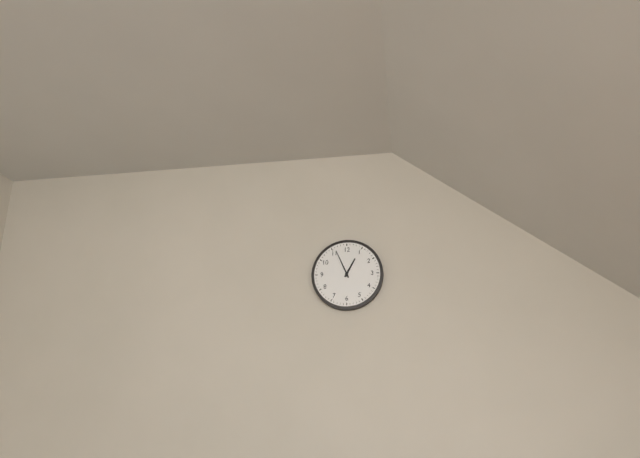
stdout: 12h56
